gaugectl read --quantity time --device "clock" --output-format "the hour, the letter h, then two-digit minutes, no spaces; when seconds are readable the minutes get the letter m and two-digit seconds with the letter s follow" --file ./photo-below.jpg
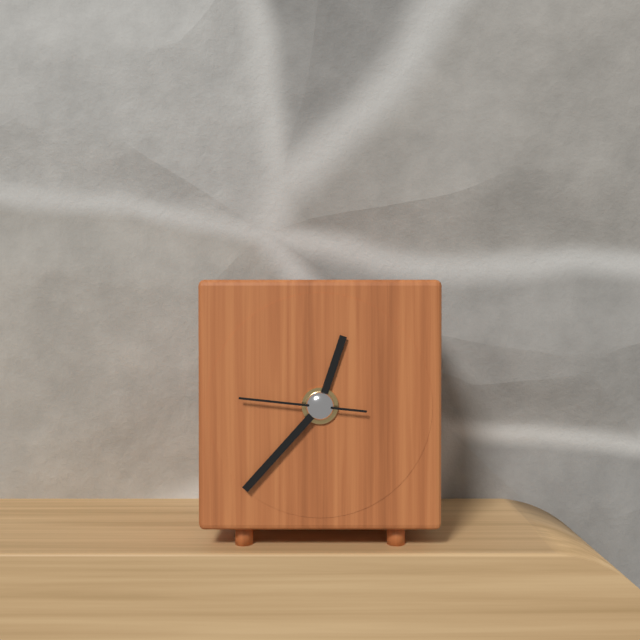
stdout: 12h37m46s
